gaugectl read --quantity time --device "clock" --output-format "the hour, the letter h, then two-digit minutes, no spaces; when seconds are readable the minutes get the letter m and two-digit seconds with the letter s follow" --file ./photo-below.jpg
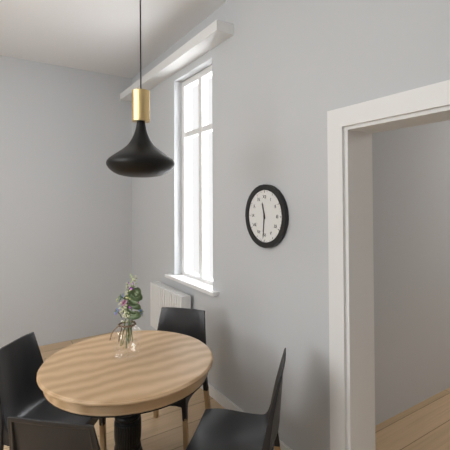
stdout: 11h31
